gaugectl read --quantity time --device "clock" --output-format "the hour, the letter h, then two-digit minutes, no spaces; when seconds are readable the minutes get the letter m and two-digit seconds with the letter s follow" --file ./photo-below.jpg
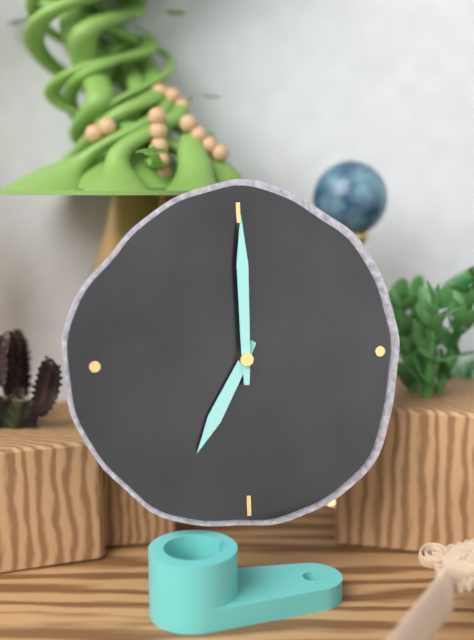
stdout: 7h00
